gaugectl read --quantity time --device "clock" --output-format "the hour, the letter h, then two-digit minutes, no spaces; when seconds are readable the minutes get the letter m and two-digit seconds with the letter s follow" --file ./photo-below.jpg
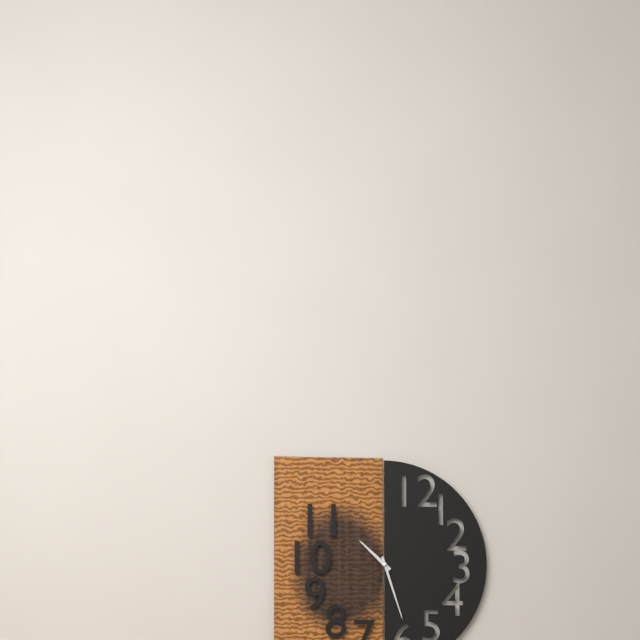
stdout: 10h27
